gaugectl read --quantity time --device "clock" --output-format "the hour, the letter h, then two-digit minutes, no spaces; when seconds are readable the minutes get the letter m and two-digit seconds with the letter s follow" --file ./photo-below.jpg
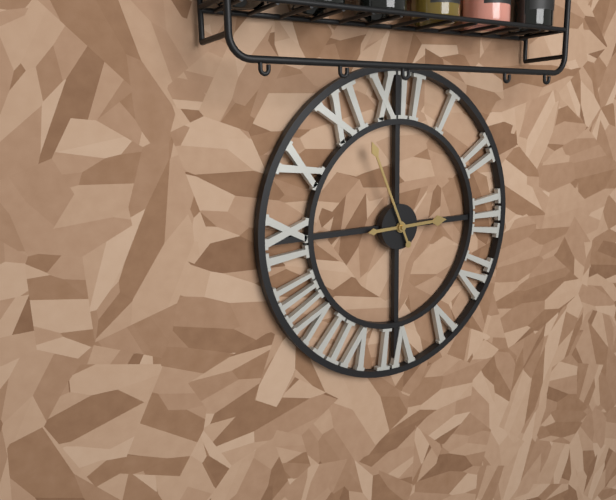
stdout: 2h56
